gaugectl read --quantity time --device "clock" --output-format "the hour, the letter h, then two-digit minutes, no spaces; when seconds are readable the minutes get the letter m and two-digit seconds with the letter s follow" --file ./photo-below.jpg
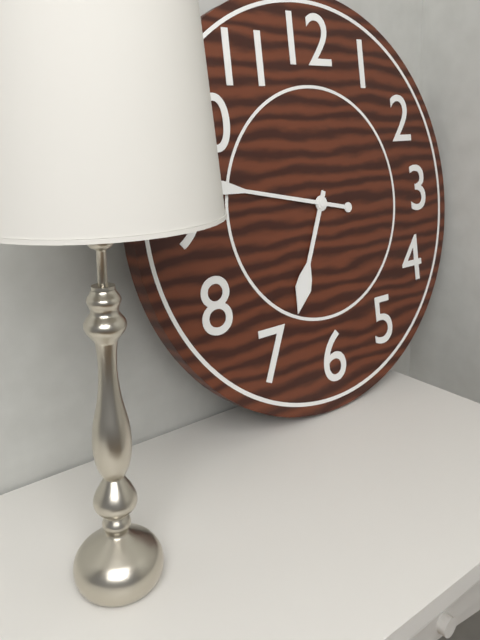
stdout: 6h47
